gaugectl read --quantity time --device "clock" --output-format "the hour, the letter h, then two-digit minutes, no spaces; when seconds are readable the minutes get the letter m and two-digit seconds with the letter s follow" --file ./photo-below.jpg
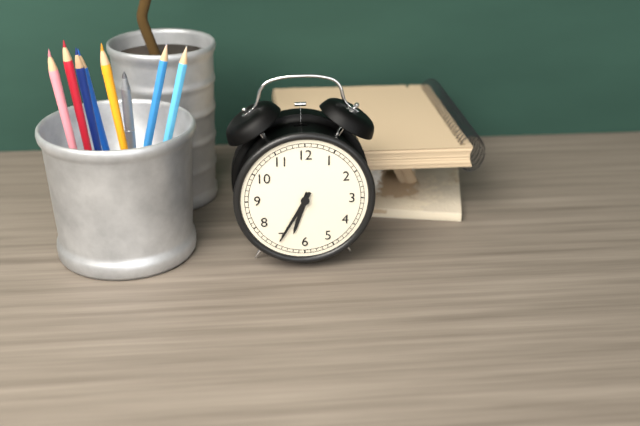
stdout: 6h35
